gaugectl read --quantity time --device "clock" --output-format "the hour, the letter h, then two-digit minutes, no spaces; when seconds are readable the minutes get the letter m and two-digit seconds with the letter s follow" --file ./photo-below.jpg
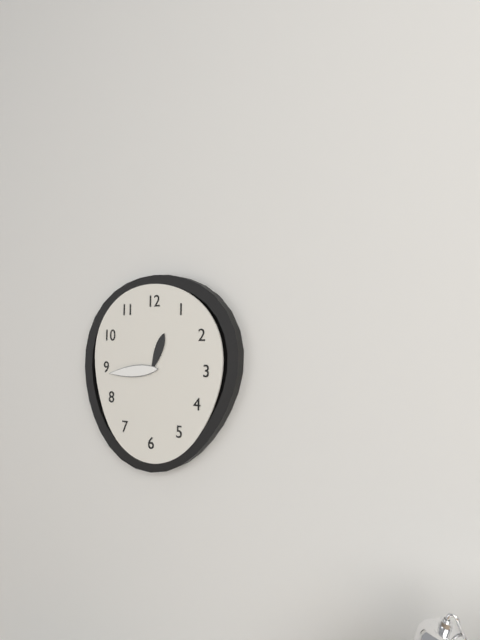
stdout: 12h44
